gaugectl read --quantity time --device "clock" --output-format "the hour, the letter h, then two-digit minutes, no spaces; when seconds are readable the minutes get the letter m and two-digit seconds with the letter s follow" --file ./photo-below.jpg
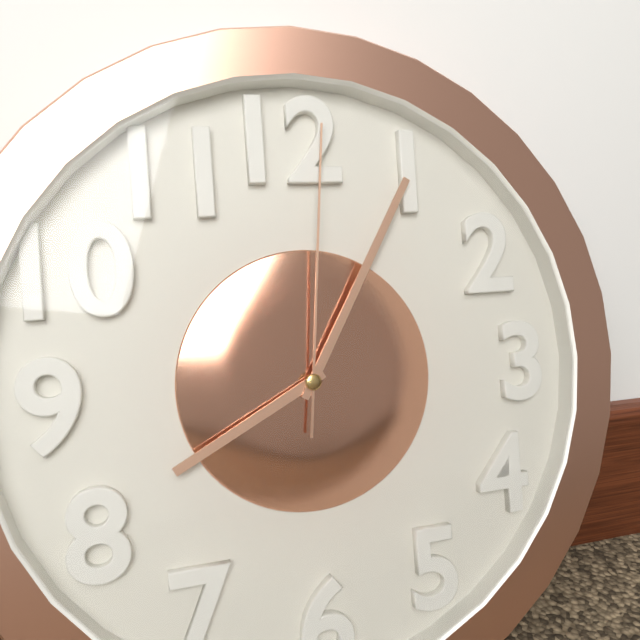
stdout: 8h05m01s
